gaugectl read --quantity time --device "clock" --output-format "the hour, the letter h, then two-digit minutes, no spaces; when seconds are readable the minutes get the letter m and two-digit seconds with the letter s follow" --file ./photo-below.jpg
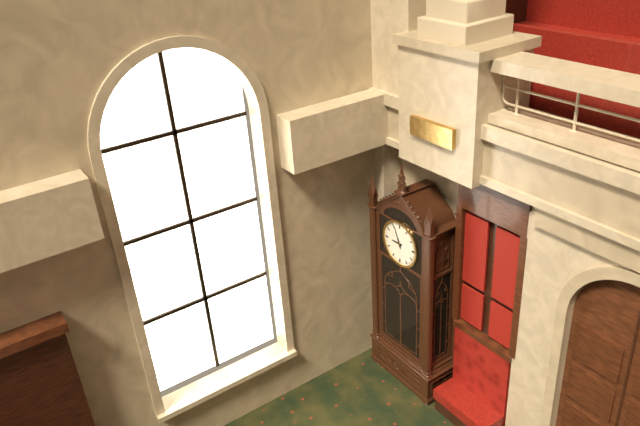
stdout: 8h56
